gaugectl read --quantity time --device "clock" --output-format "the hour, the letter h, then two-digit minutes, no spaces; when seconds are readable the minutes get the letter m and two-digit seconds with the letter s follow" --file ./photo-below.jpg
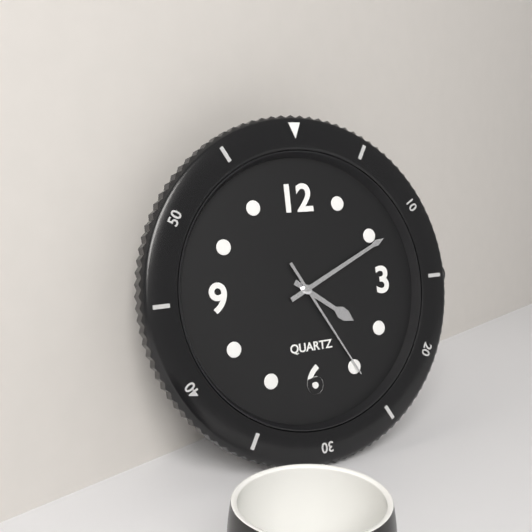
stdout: 4h11m25s
